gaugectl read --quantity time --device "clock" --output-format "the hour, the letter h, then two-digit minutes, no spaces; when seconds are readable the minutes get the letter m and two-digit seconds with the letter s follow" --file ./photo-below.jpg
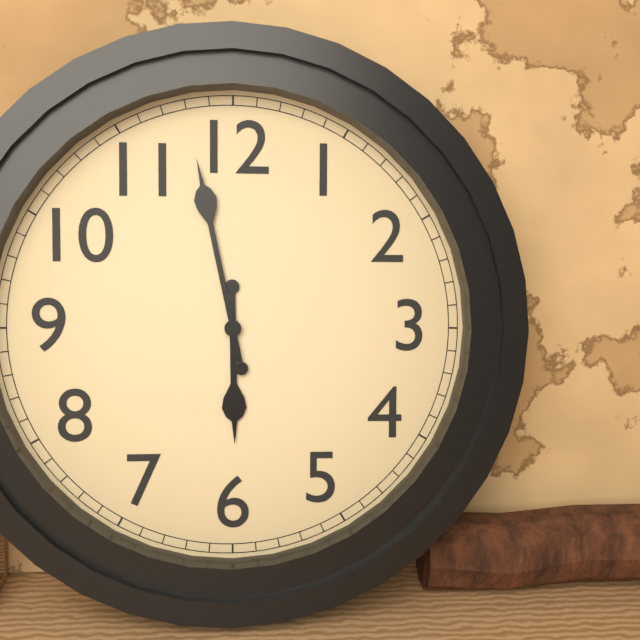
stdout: 5h58
